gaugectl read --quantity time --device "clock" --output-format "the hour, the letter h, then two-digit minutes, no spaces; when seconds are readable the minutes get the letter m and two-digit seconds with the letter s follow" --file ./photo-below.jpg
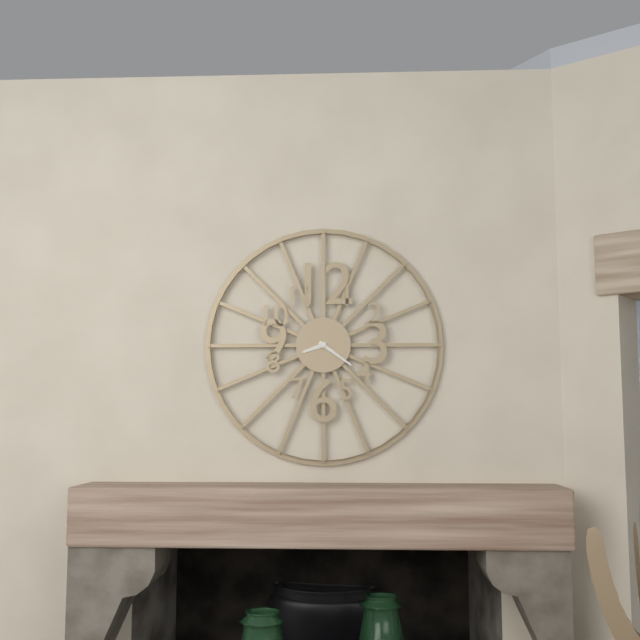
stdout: 8h21
